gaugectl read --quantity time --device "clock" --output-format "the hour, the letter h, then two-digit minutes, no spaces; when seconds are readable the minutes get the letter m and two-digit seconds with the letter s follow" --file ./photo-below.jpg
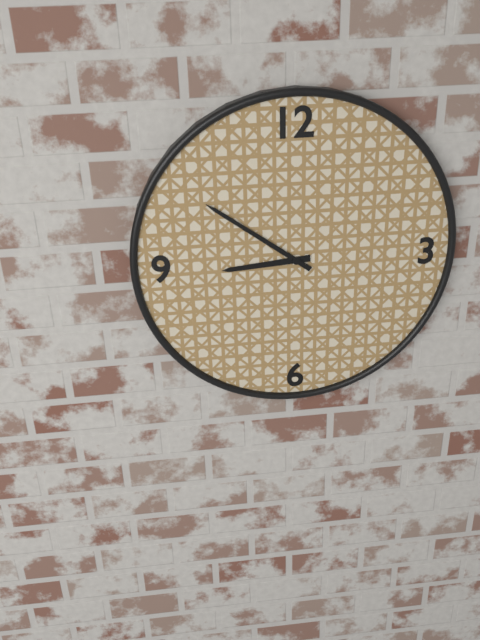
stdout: 8h51
